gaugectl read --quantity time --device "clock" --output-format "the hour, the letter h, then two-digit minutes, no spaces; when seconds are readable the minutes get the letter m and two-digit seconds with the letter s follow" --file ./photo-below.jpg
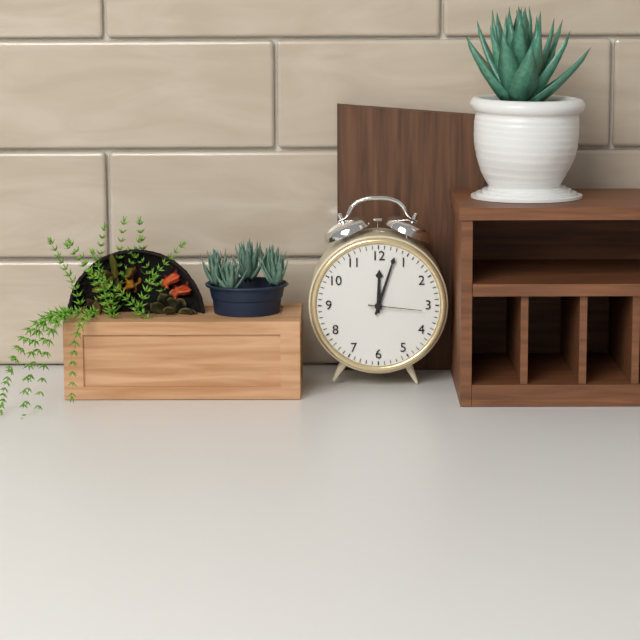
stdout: 12h03m16s
